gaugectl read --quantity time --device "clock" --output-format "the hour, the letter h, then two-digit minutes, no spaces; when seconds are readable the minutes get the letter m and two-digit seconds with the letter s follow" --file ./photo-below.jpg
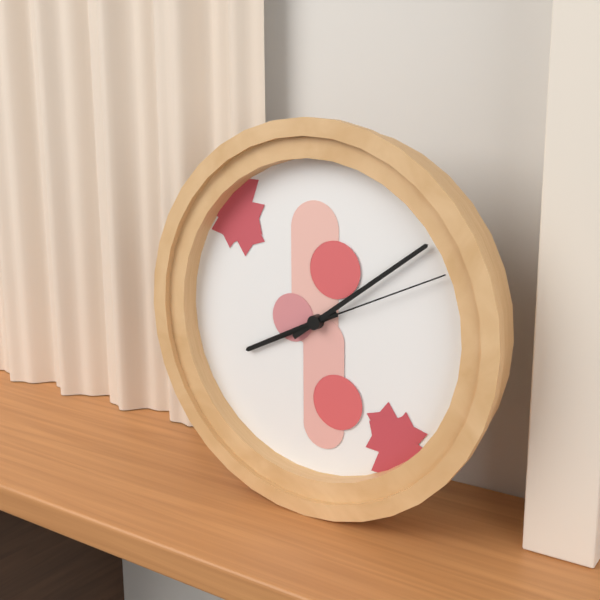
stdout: 8h09m11s
